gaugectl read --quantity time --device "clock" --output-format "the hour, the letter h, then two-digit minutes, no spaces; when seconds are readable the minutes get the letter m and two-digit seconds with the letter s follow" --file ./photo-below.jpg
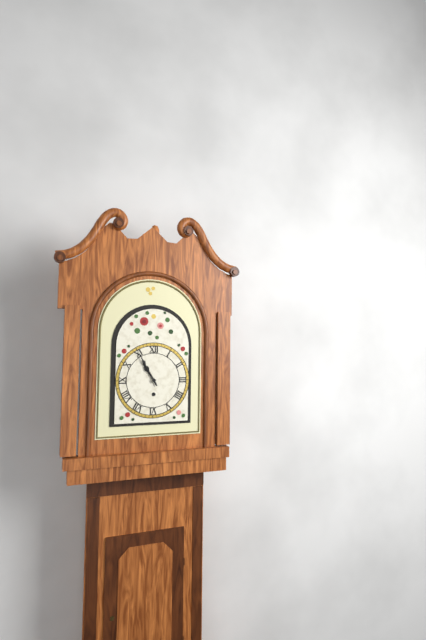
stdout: 10h55
